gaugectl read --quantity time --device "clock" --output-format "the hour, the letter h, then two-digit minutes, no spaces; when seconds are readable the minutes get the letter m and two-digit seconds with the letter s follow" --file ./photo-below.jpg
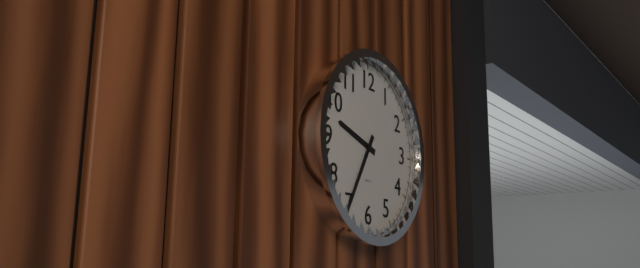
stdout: 9h35
